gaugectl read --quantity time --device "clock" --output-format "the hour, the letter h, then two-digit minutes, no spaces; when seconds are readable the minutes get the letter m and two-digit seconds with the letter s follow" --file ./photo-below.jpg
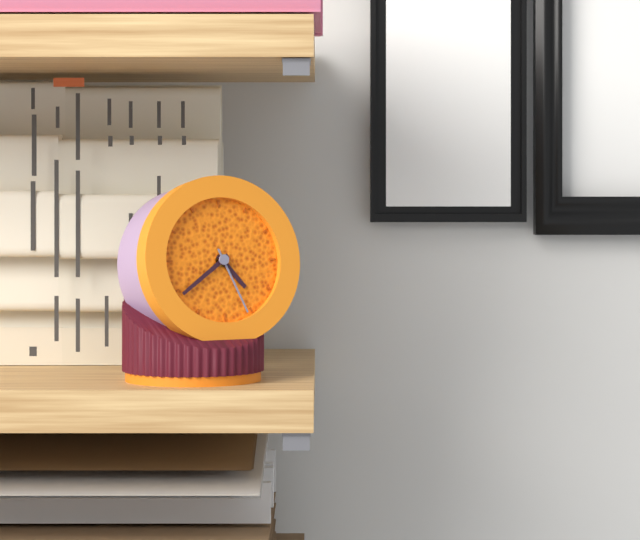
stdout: 4h39m26s
